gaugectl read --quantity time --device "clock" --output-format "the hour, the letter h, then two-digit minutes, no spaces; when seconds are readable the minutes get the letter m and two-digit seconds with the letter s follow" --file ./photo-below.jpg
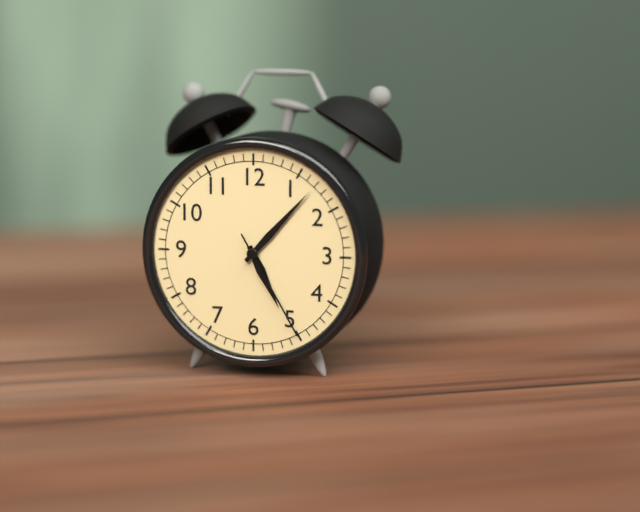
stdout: 5h07m25s
